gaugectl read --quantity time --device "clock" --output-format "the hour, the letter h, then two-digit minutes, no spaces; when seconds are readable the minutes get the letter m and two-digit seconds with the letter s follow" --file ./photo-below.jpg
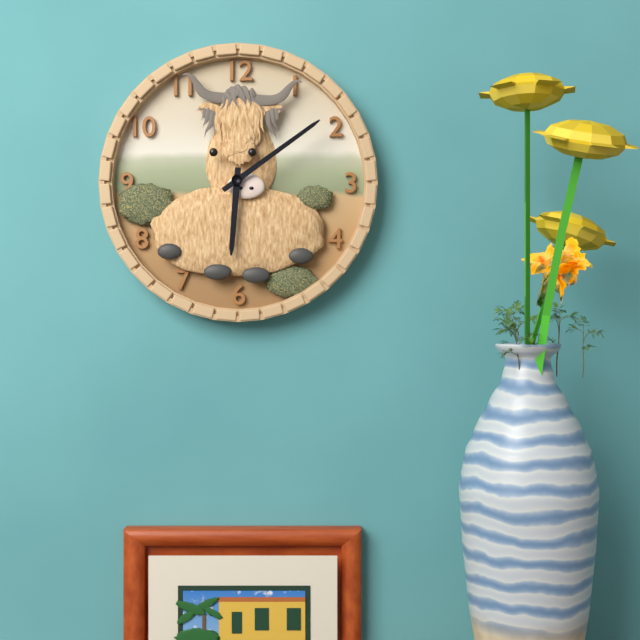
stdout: 6h09
